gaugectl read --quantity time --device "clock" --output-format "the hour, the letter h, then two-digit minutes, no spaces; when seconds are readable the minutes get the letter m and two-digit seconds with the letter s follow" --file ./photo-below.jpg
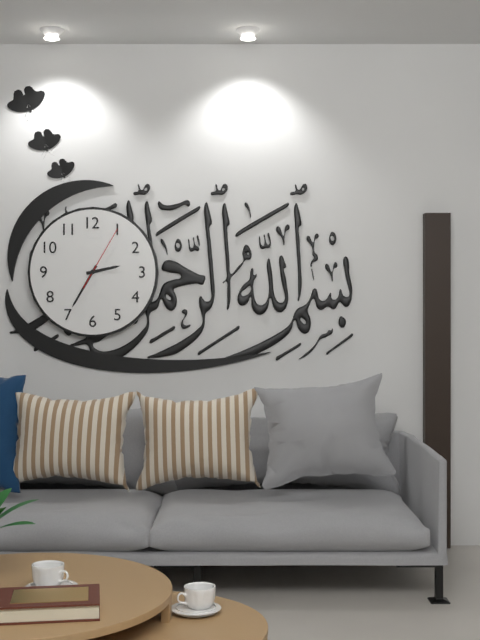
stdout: 2h35m05s
